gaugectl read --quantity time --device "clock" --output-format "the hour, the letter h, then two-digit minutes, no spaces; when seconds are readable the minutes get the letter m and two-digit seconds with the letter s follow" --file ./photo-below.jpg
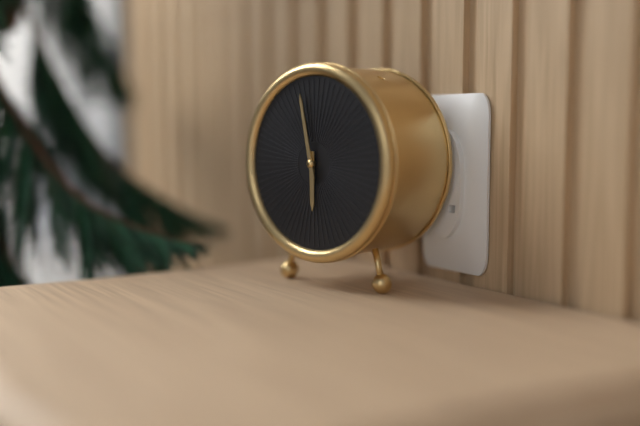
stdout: 5h58
